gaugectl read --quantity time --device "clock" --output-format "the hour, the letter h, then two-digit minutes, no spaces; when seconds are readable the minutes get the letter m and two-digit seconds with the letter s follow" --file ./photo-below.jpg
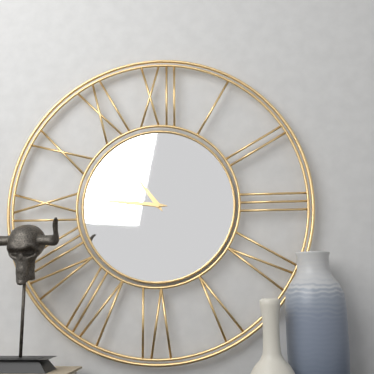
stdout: 10h46
